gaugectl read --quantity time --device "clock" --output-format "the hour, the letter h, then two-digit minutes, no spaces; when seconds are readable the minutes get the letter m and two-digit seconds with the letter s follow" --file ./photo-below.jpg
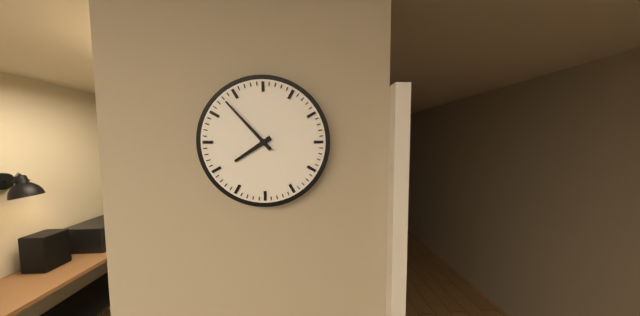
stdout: 7h53
